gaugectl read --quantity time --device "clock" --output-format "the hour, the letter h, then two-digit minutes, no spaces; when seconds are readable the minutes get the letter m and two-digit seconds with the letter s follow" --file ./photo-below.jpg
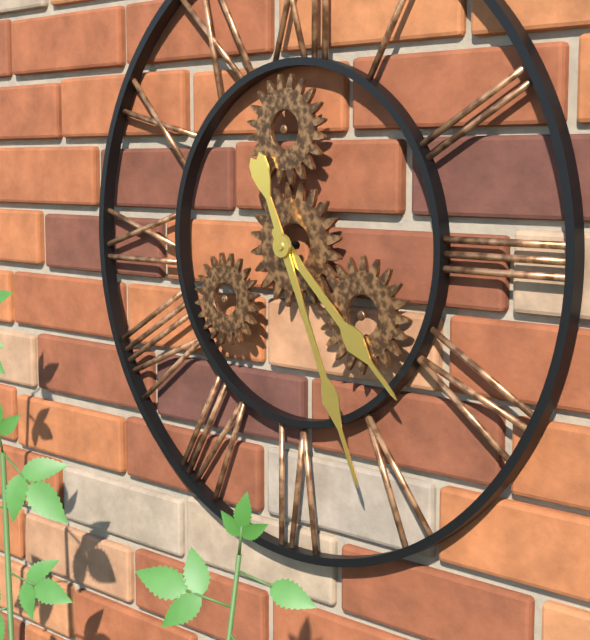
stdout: 4h26
